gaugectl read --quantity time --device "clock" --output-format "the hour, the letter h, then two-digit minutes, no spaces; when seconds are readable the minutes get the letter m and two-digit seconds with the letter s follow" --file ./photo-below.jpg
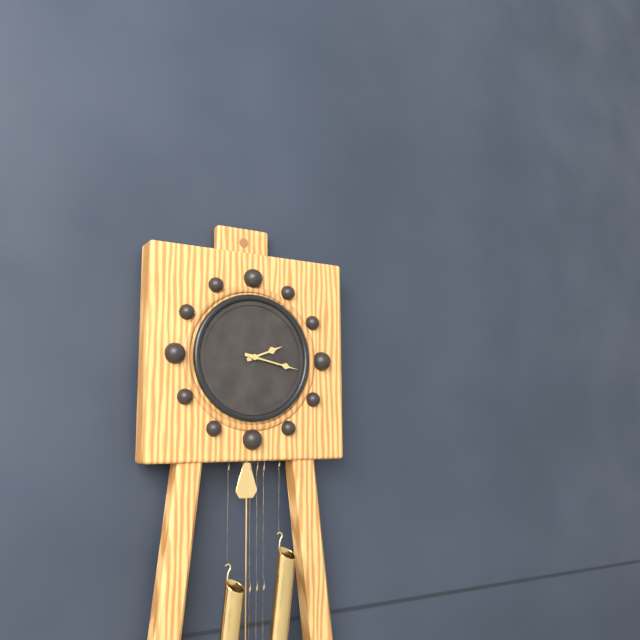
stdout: 2h17
